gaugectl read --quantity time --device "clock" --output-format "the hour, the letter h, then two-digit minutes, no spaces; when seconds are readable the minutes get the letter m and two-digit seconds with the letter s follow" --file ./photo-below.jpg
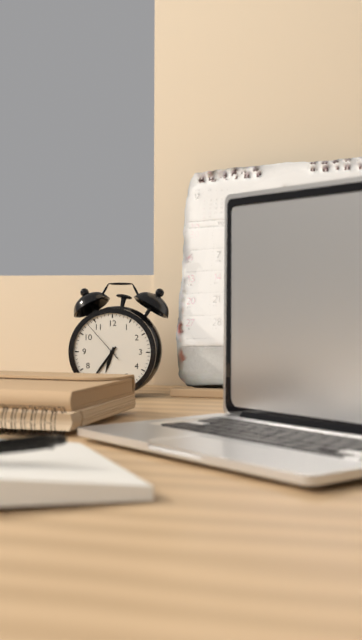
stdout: 6h36
